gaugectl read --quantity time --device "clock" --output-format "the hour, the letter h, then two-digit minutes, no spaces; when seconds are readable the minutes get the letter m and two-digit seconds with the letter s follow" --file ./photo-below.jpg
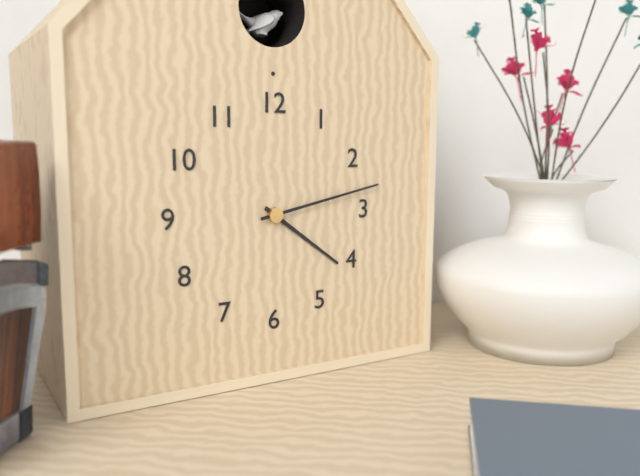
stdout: 4h13
